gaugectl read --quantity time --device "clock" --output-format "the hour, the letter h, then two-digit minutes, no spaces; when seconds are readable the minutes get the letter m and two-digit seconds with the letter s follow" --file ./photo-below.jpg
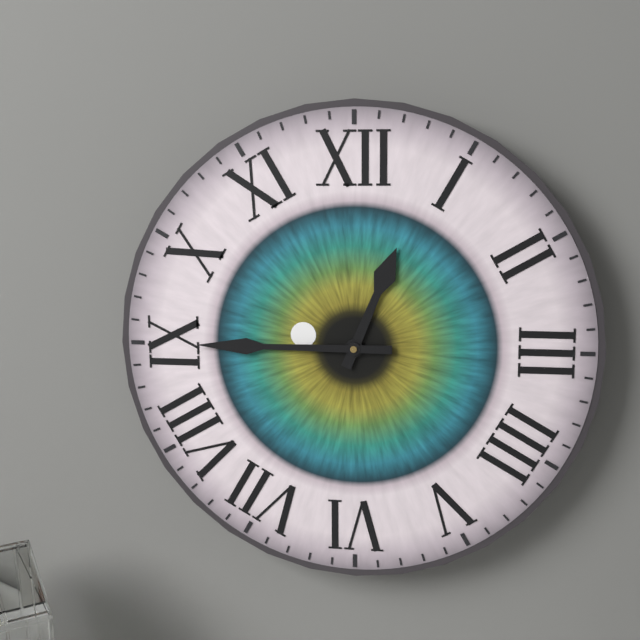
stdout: 12h45
